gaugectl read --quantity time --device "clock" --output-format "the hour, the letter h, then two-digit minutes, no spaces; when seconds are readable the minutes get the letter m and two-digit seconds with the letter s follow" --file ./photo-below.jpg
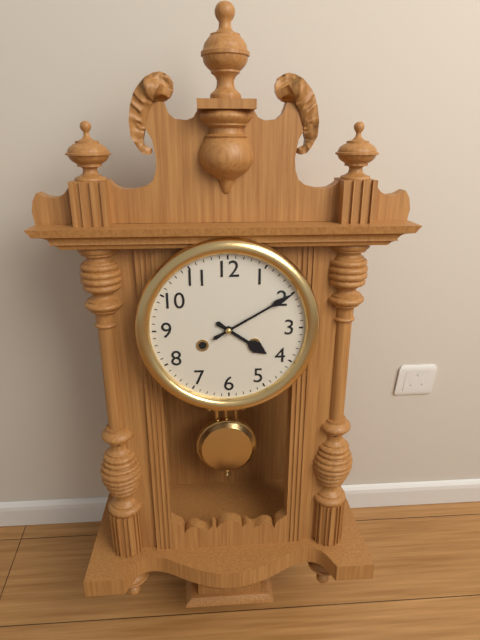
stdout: 4h10
